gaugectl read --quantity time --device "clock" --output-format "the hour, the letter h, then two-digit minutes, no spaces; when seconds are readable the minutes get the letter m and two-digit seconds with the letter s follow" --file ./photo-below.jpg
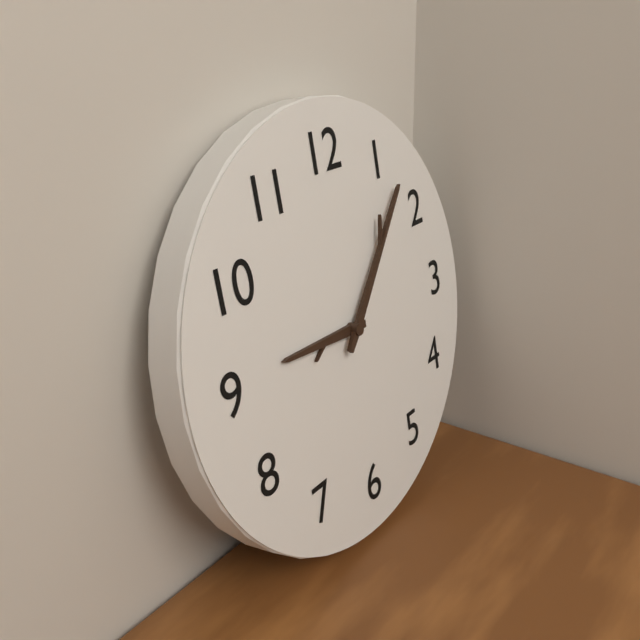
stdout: 9h07
